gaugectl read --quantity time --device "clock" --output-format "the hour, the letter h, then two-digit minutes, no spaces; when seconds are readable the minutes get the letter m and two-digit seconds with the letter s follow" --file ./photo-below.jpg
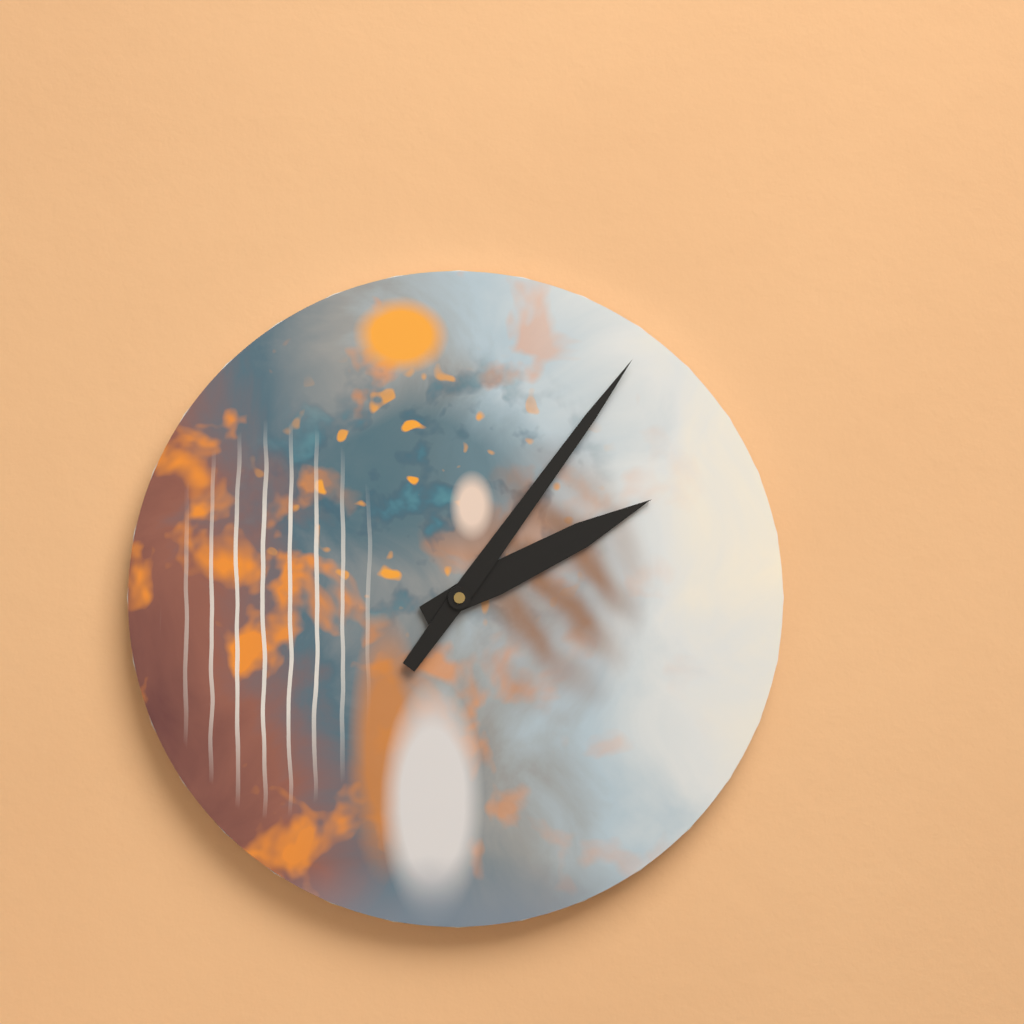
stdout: 2h06
